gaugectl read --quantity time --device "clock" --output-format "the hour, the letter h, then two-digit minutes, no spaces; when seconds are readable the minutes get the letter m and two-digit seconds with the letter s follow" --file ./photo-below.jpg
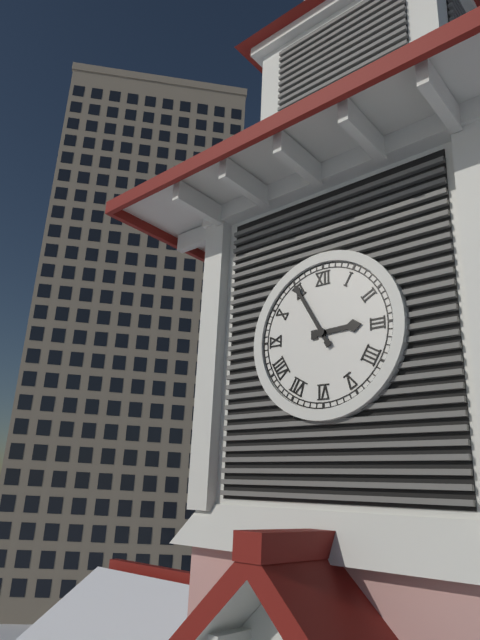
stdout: 2h55
